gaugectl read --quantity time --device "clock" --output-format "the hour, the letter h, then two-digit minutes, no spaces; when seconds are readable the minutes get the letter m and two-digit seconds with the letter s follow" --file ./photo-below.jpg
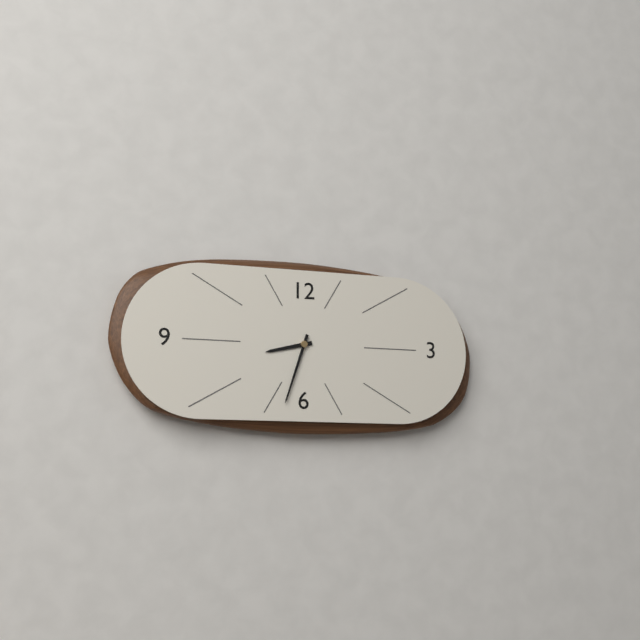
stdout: 8h33
